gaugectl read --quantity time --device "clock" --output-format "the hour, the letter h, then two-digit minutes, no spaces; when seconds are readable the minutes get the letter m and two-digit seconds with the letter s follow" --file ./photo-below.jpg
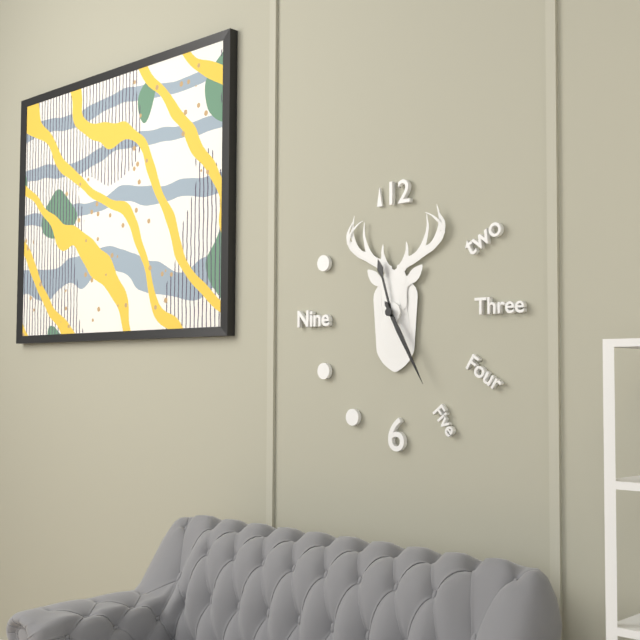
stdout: 11h25
